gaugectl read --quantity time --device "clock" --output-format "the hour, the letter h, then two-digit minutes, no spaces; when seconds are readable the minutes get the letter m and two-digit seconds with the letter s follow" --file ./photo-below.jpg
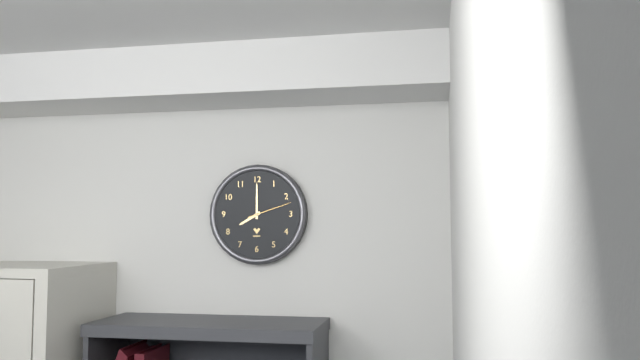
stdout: 8h00
